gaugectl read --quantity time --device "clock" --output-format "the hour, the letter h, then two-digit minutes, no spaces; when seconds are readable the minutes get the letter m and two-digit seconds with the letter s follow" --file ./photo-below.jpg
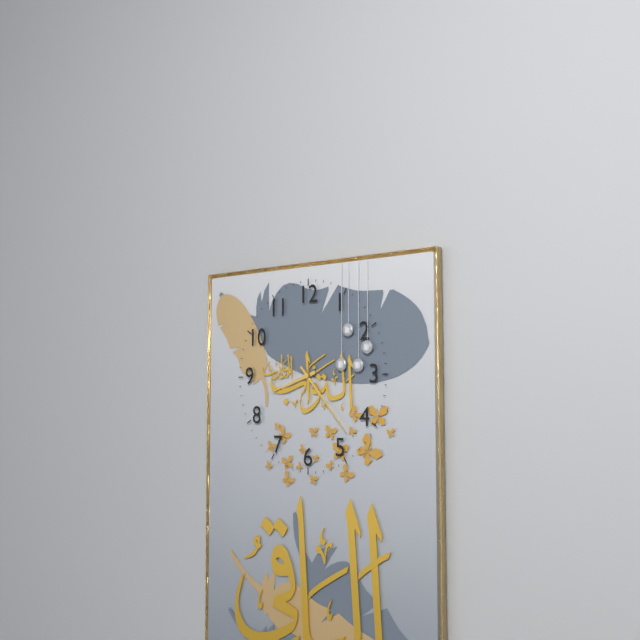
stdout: 8h23
